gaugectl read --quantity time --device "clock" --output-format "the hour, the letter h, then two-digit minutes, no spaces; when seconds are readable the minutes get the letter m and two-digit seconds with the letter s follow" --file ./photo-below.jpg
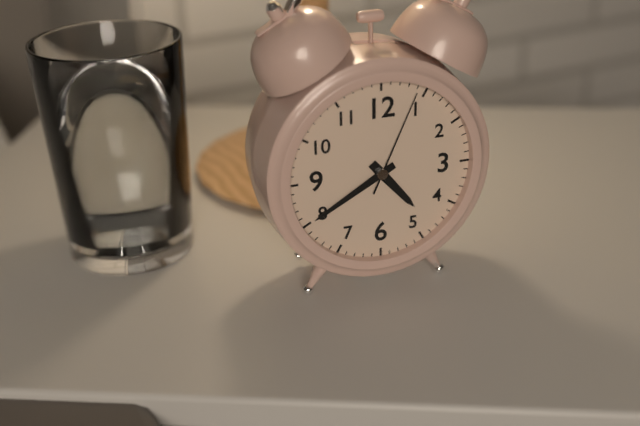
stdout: 4h40m04s
